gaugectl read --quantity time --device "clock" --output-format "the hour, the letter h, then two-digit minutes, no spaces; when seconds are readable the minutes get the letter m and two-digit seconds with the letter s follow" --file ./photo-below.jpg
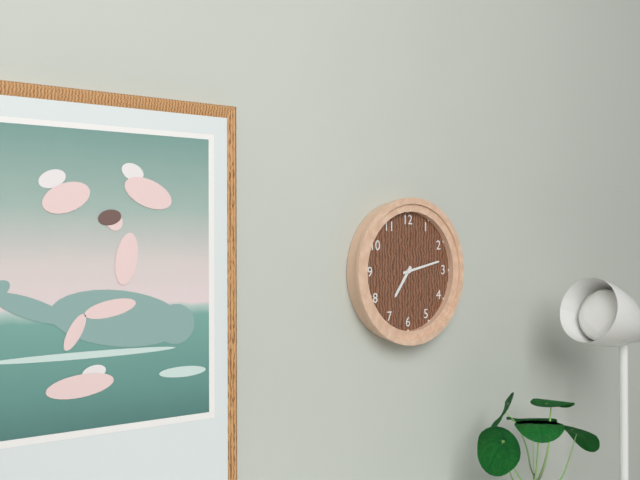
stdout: 7h13
